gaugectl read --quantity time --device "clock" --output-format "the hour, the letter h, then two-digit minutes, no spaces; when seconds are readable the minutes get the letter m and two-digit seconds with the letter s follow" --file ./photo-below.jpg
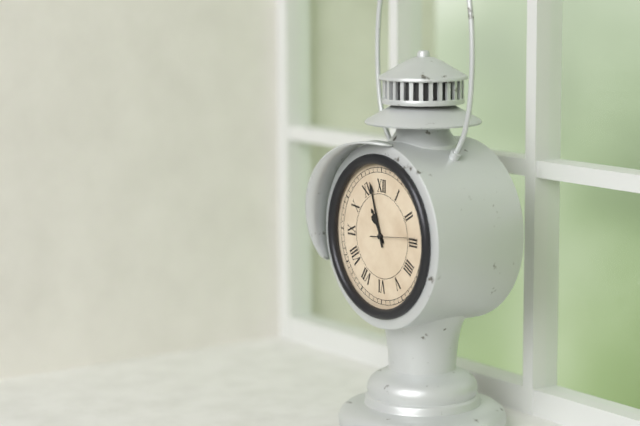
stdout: 10h57
